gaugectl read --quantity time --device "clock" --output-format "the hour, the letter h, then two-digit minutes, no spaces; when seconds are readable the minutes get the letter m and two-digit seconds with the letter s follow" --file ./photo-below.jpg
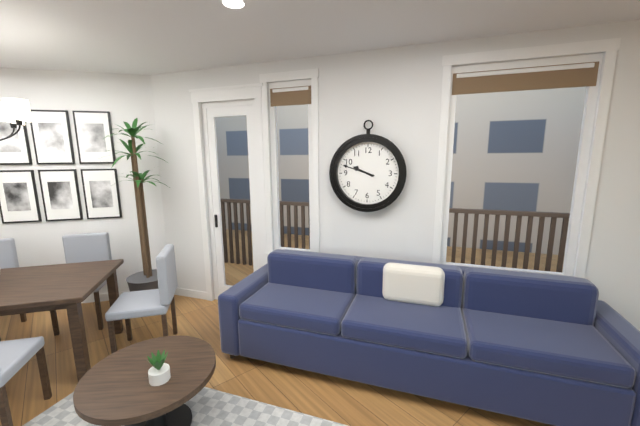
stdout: 9h48
